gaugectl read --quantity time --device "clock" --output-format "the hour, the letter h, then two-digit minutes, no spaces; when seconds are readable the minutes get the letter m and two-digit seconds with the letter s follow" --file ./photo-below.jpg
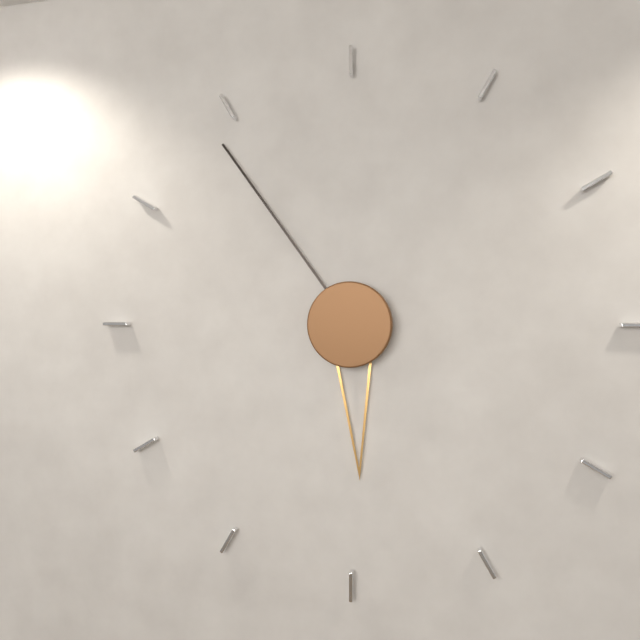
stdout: 5h54
